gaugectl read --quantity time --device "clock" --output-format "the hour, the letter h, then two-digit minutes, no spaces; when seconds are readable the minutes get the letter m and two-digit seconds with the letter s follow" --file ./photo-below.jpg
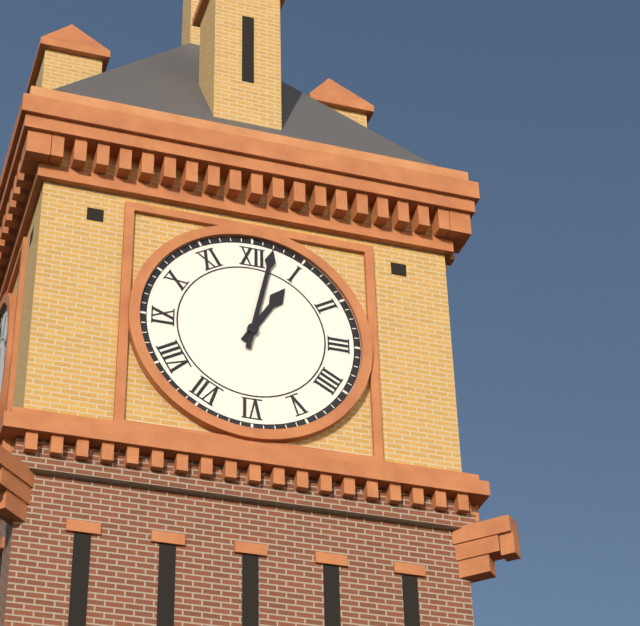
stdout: 1h02
